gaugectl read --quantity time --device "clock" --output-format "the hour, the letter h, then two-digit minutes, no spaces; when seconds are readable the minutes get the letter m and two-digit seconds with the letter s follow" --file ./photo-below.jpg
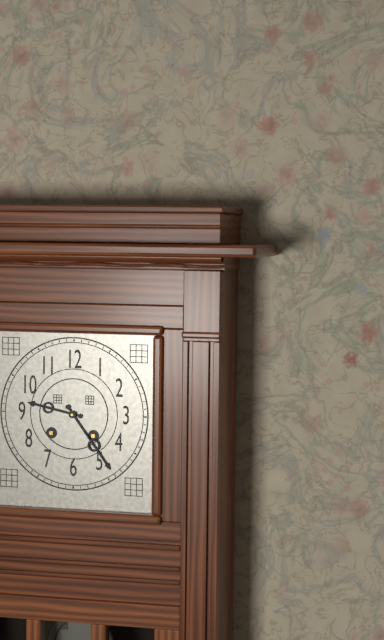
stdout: 9h24
